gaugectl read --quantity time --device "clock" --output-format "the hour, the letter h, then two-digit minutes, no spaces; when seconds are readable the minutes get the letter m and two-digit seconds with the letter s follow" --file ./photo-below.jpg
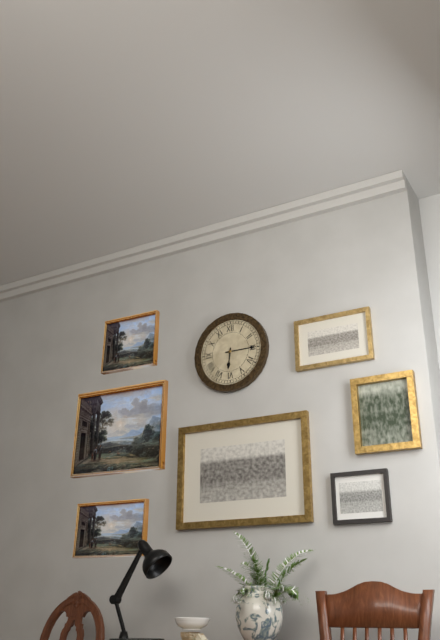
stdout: 6h15
